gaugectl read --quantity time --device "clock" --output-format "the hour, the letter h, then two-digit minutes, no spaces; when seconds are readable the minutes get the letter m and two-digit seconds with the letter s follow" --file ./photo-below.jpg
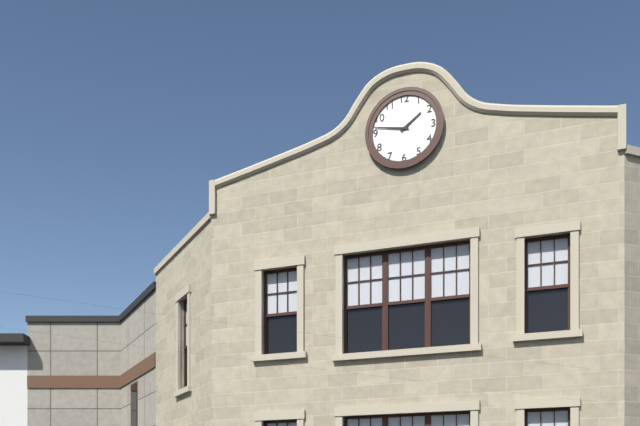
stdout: 1h47
